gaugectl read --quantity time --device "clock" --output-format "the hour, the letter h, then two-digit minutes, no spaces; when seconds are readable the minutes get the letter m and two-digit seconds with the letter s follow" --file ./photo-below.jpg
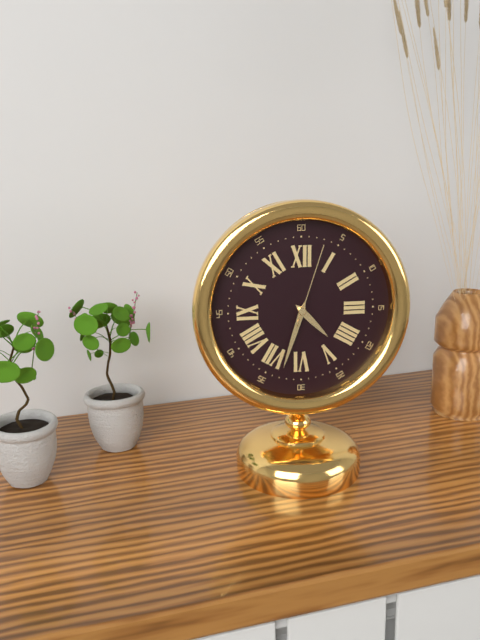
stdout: 4h33m03s
